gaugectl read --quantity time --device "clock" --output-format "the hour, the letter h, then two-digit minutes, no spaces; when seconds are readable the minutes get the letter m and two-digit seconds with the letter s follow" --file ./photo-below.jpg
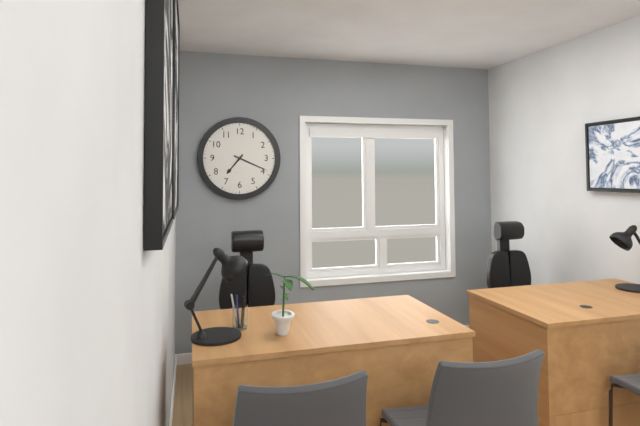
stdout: 7h19
